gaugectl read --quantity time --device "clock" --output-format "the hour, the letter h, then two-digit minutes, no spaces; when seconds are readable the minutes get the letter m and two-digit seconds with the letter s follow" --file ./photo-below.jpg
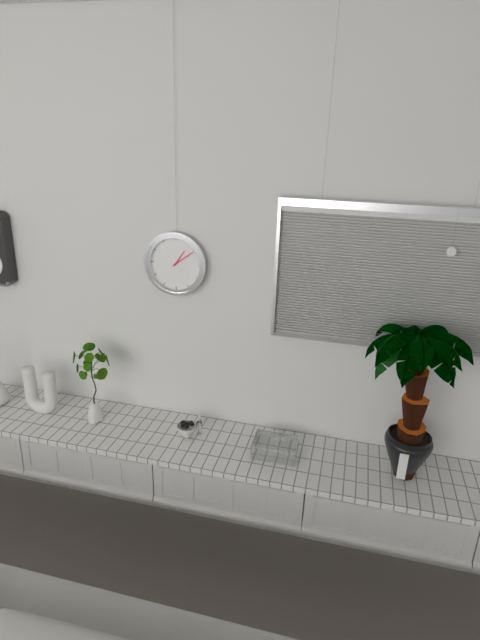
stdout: 1h09
